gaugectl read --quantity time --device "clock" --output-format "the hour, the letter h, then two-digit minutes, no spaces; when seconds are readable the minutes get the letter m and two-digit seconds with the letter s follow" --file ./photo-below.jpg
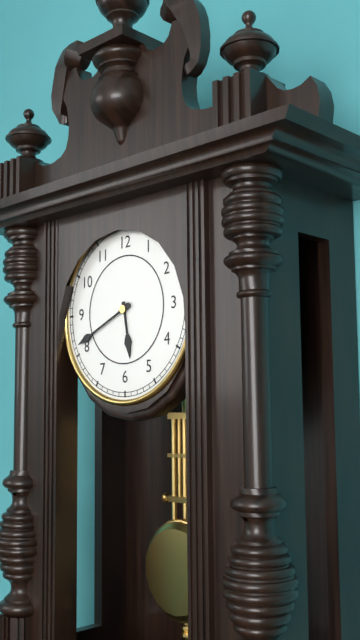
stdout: 5h41
